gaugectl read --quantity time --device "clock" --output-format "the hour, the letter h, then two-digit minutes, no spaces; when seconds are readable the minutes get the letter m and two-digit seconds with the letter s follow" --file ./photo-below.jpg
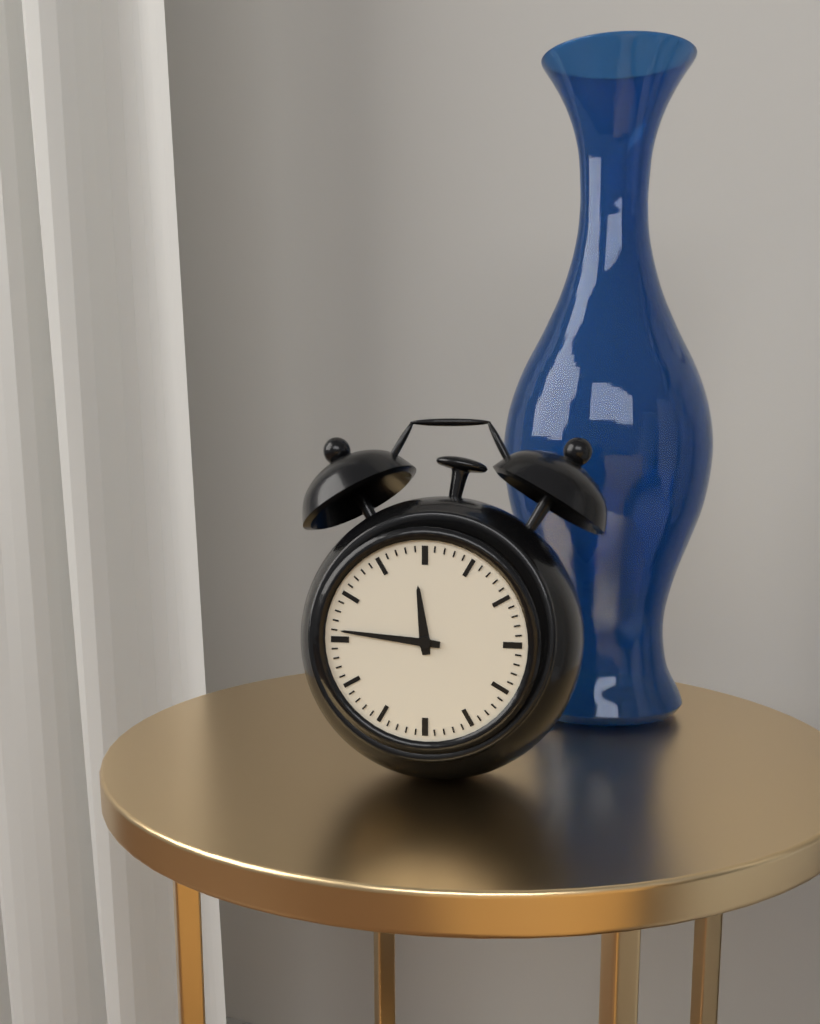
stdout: 11h46
